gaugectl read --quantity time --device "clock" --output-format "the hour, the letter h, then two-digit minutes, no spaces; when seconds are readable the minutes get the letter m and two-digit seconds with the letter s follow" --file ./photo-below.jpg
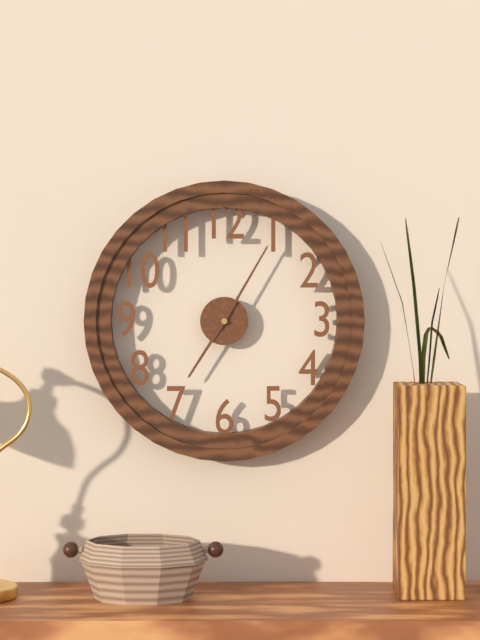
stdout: 7h05
